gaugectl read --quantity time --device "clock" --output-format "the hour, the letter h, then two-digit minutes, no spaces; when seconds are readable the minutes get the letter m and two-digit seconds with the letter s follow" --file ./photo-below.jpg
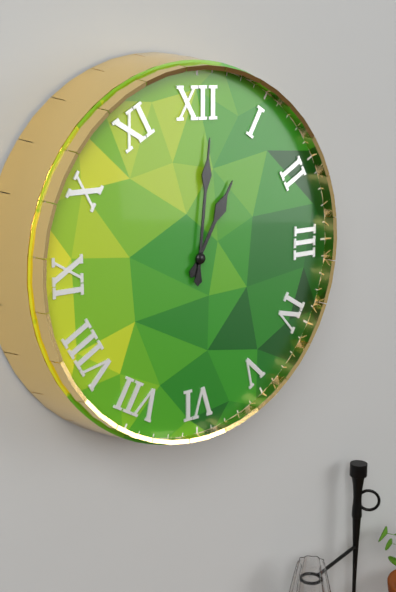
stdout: 1h01
